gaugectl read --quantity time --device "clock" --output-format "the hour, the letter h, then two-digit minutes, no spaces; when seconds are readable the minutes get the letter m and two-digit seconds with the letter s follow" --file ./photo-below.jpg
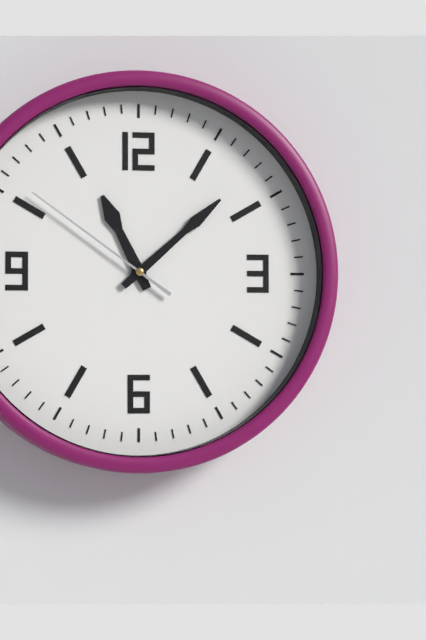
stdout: 11h08m51s
